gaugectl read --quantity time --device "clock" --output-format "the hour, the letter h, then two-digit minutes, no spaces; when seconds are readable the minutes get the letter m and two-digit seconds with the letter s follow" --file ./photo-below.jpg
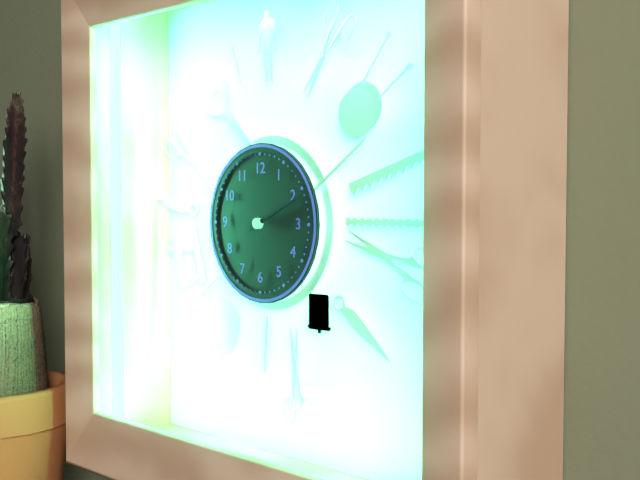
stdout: 2h11
